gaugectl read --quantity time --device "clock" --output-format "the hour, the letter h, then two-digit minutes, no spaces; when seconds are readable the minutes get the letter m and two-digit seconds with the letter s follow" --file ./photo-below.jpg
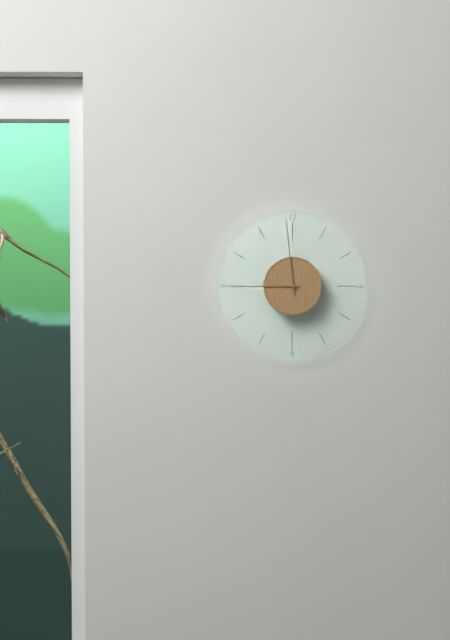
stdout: 8h59
